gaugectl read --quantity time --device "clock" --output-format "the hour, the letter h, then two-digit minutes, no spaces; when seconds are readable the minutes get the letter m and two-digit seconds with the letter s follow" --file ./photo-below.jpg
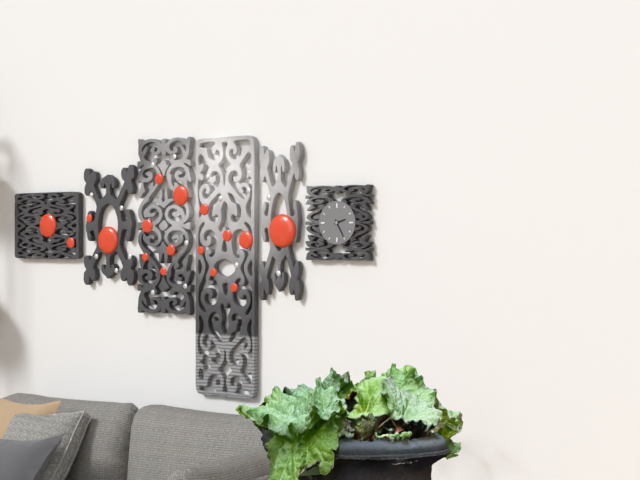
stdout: 2h25
